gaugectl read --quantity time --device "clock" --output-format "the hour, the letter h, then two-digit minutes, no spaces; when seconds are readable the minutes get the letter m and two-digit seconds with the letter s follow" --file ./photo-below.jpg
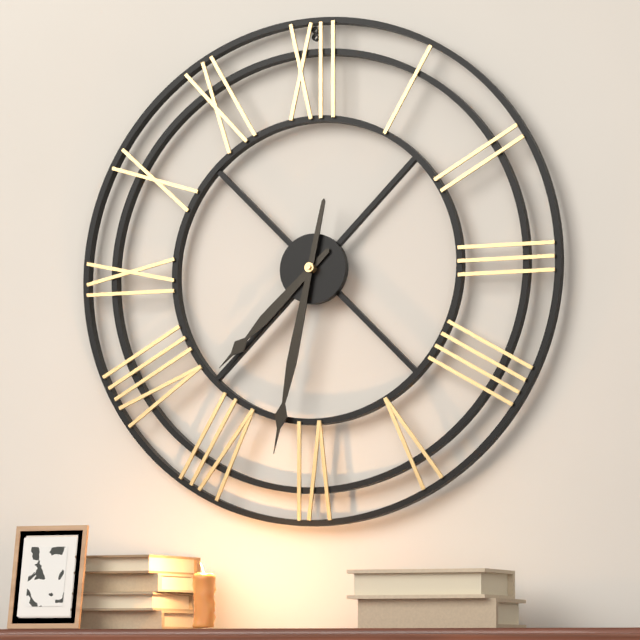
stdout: 7h32
